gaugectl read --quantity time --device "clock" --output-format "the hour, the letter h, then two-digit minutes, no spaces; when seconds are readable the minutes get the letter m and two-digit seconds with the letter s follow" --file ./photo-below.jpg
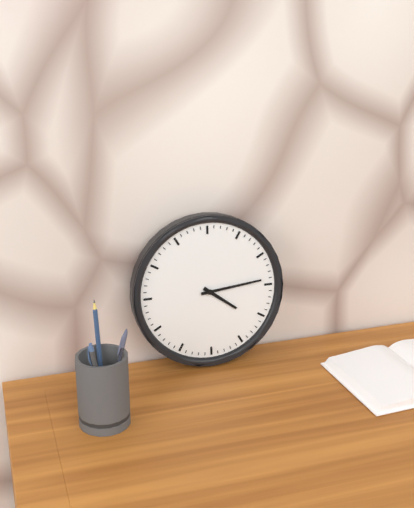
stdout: 4h14
